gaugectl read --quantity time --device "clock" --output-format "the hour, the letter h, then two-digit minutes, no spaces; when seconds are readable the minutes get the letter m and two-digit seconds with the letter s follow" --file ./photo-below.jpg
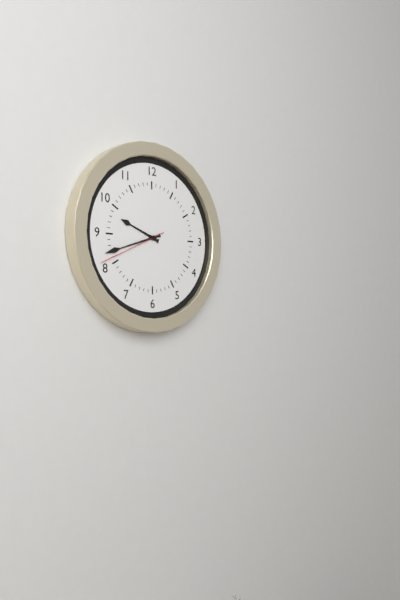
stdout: 9h42m41s
